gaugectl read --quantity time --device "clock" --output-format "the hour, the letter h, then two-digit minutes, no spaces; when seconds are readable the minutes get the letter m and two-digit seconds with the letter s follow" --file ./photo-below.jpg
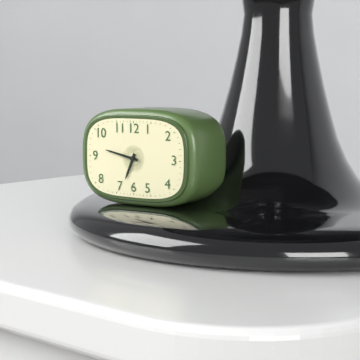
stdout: 6h47
